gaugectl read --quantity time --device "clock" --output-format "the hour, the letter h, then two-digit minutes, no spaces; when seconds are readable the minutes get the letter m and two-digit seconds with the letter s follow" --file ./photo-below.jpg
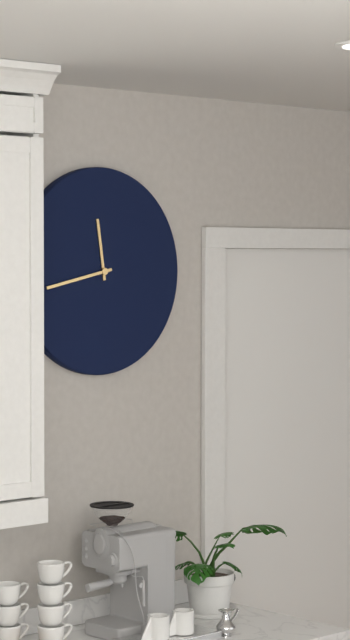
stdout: 11h43
